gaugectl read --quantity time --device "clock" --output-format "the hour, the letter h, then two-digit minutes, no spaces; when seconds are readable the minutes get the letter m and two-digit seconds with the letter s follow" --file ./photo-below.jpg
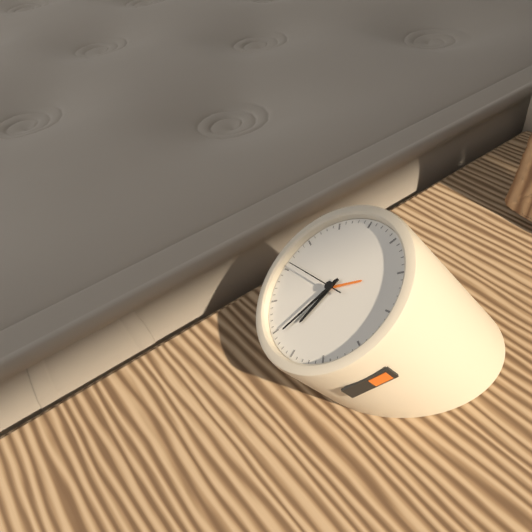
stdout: 5h29m41s
